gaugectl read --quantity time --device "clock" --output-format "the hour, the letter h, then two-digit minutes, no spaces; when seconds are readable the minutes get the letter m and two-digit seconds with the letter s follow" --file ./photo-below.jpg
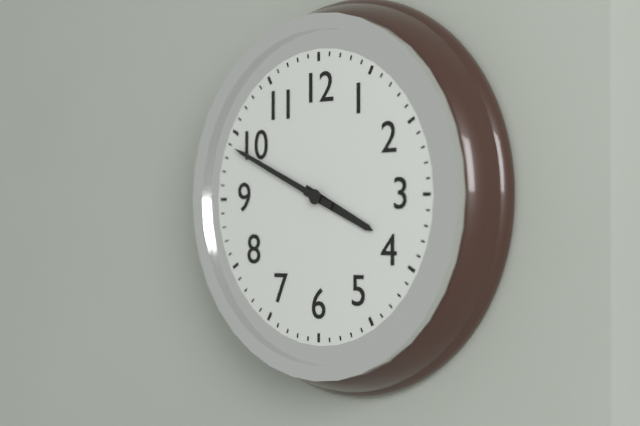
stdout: 3h49
